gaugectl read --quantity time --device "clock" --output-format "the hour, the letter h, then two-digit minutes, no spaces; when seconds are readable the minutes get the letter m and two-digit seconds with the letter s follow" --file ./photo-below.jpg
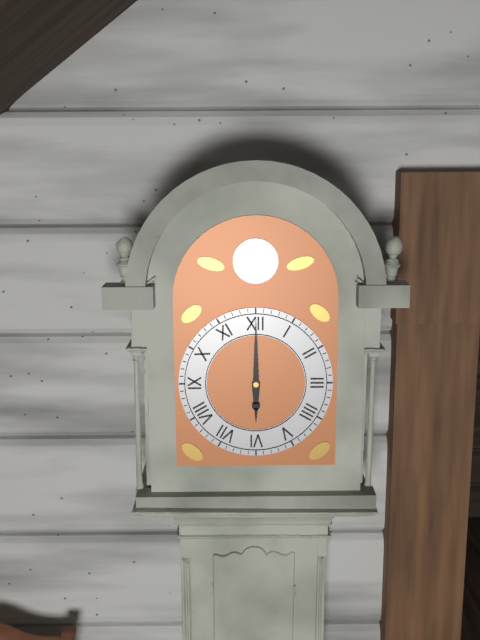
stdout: 6h00
